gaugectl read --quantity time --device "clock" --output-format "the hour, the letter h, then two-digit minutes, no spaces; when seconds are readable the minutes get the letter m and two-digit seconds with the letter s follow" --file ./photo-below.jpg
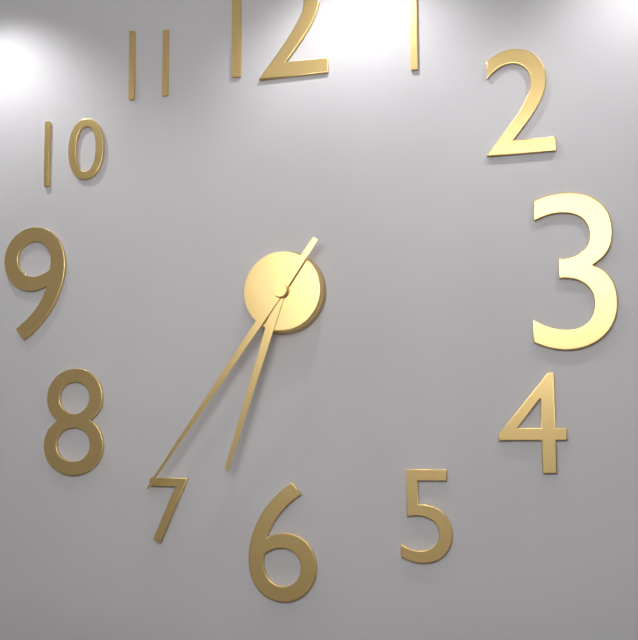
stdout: 6h36
